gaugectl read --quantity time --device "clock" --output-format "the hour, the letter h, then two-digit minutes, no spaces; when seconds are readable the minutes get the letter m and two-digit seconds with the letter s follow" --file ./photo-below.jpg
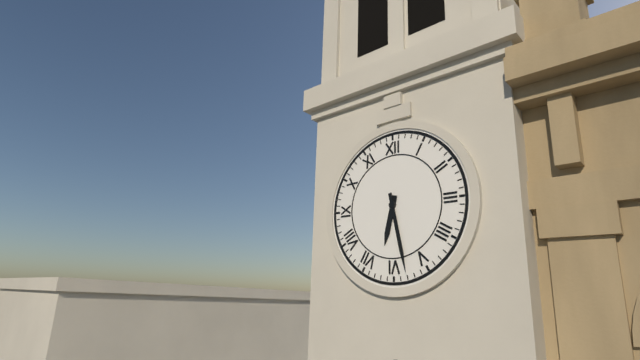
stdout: 6h28
